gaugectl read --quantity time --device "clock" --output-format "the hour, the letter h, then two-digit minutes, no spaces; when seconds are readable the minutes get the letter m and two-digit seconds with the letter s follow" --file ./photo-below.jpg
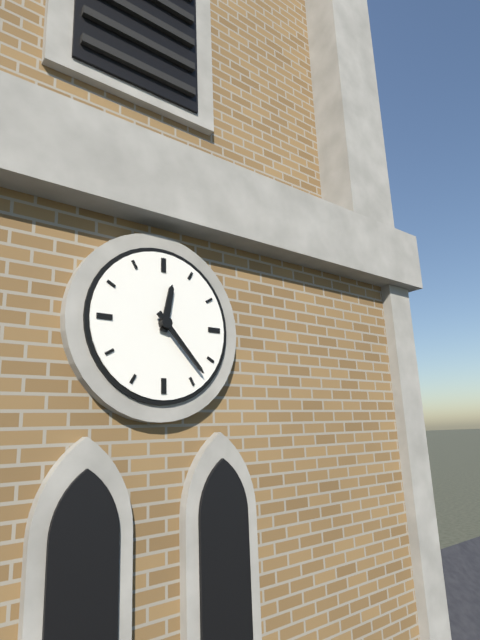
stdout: 12h23
